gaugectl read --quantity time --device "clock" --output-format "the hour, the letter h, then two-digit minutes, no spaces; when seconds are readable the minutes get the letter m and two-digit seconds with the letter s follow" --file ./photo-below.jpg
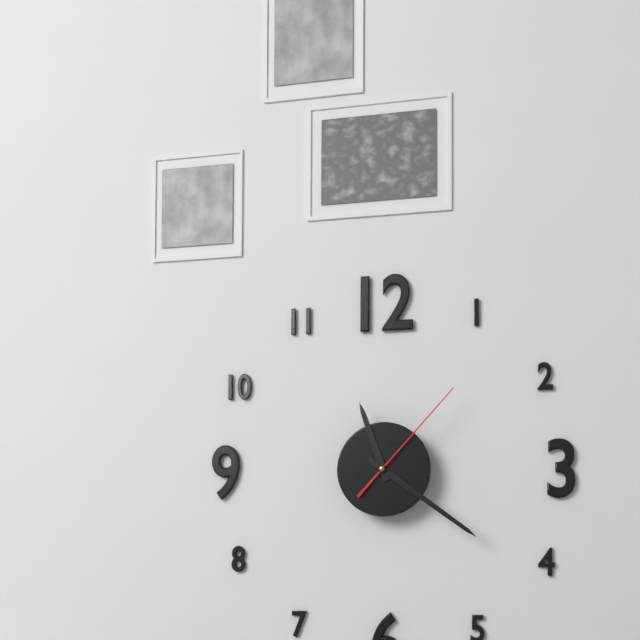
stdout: 11h21m07s
